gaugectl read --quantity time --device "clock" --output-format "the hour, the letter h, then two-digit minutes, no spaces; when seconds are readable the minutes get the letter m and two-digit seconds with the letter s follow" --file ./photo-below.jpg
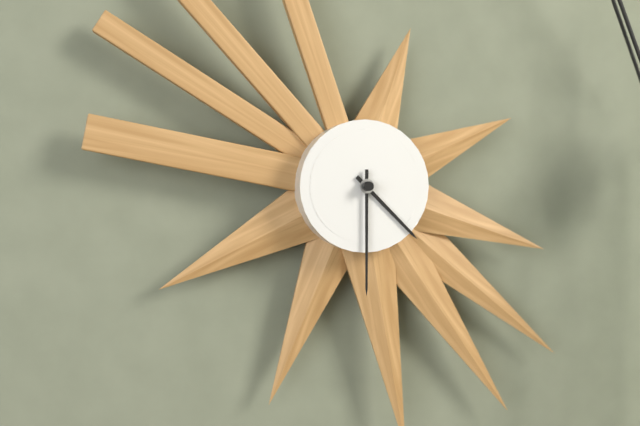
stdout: 4h30
